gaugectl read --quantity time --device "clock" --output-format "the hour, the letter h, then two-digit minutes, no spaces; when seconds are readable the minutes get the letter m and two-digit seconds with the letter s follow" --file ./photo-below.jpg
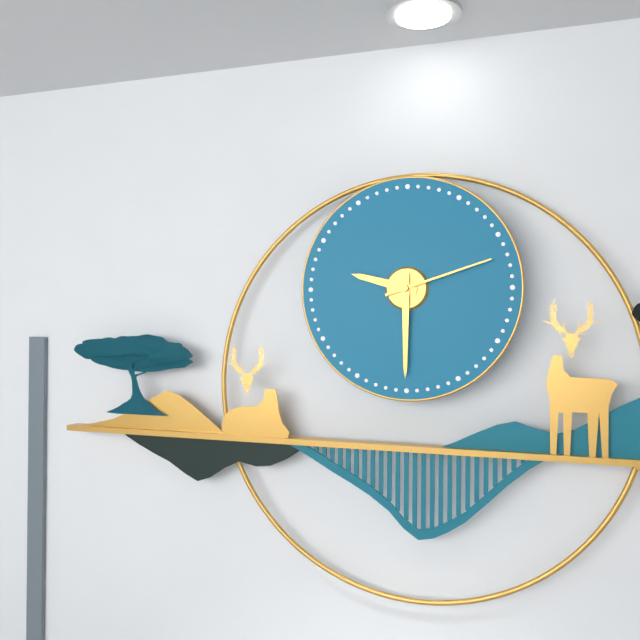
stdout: 9h30m12s
